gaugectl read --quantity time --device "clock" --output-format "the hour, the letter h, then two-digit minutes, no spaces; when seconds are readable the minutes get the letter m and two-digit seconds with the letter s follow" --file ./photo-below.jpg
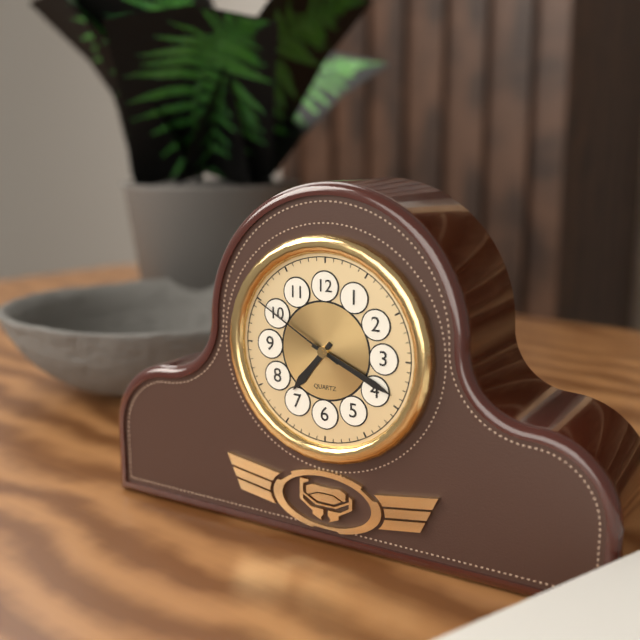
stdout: 7h19m50s
